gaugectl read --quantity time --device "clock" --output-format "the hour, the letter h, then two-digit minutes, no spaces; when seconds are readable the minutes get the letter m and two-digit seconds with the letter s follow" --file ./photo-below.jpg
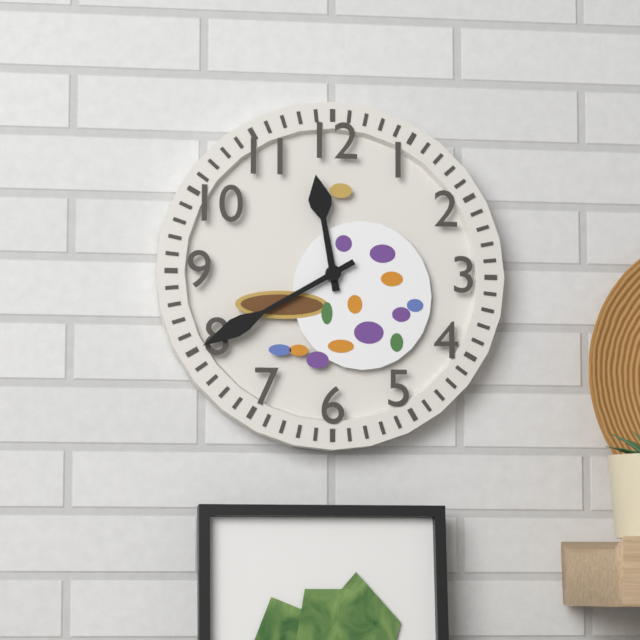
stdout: 11h40
